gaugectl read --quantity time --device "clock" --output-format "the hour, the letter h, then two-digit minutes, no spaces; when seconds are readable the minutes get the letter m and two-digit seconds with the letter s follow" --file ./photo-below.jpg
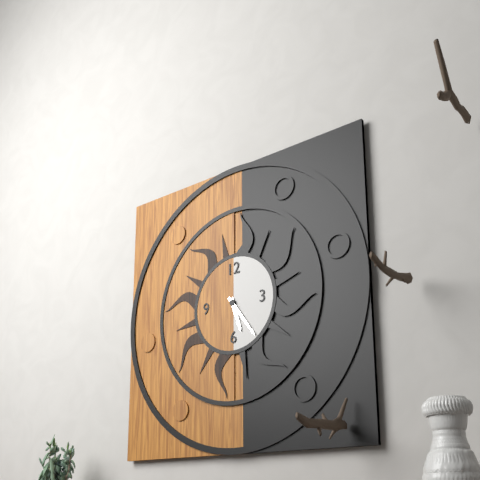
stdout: 5h24
